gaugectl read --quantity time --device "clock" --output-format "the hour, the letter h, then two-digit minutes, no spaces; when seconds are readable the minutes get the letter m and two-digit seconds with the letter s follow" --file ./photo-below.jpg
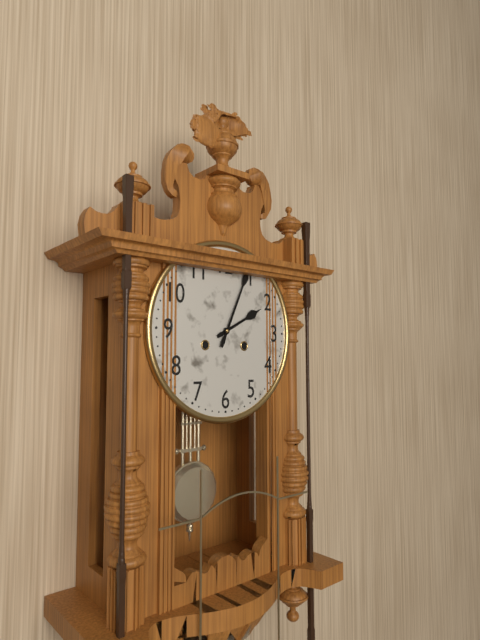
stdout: 2h04
